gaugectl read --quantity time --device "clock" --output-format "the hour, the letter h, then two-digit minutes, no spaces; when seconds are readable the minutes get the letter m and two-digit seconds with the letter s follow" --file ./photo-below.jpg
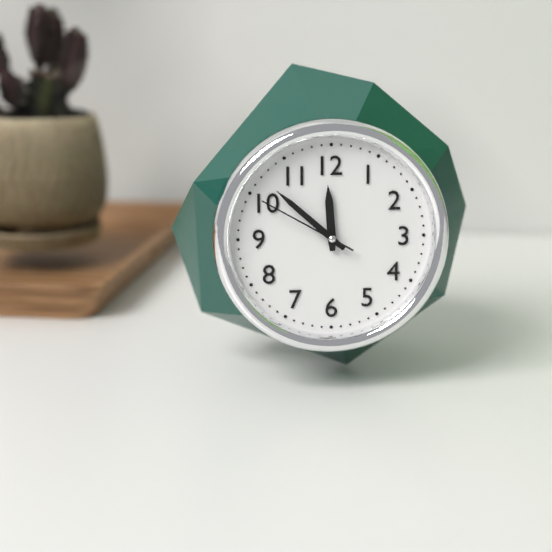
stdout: 11h52m50s
